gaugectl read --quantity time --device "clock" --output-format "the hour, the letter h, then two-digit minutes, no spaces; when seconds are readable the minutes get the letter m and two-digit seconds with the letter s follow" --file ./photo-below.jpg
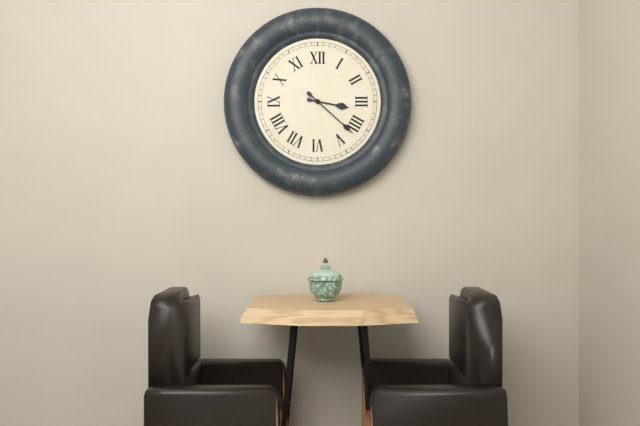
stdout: 3h22
